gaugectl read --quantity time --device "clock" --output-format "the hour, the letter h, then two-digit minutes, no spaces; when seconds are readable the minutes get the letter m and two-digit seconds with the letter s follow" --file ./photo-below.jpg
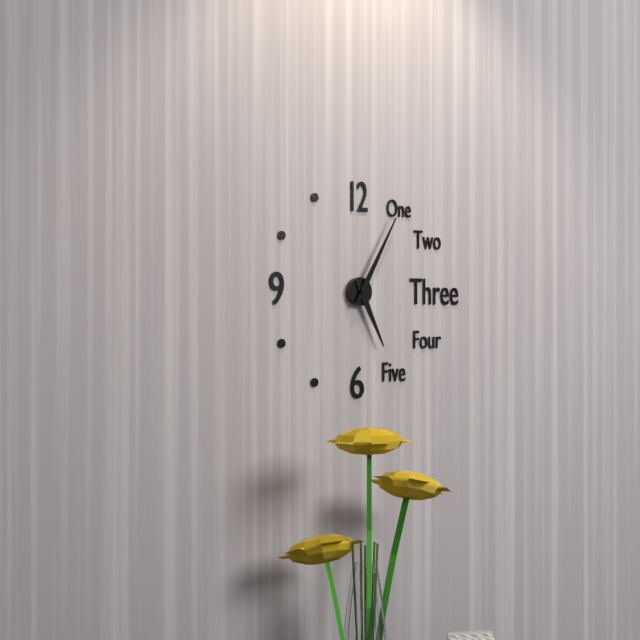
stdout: 5h05
